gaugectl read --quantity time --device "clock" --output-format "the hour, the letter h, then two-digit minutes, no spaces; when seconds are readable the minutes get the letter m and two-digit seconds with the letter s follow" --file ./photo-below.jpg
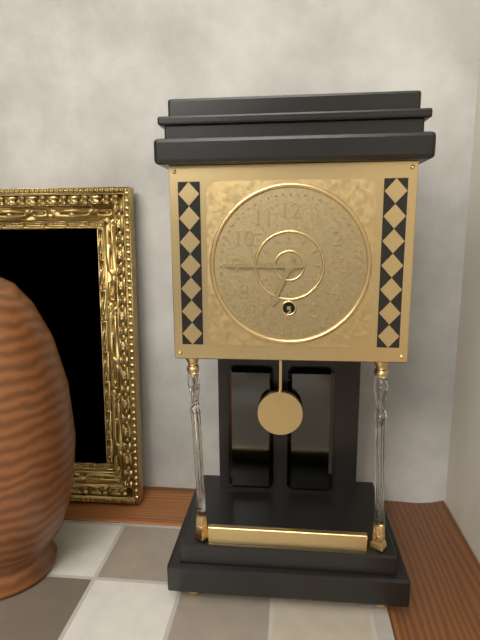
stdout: 6h45
